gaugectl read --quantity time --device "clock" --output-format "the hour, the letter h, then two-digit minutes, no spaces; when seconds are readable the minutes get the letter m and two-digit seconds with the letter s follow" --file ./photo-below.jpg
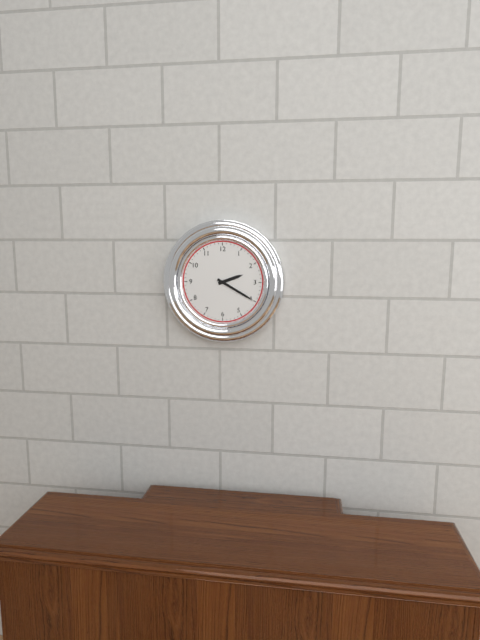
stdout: 2h20
